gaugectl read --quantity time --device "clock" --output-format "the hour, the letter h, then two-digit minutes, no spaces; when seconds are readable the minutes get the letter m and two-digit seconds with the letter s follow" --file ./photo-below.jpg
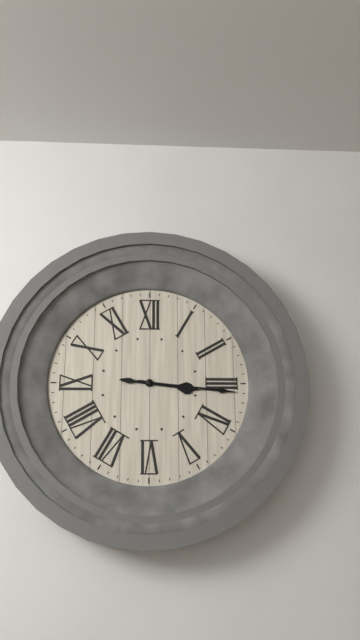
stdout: 3h16
